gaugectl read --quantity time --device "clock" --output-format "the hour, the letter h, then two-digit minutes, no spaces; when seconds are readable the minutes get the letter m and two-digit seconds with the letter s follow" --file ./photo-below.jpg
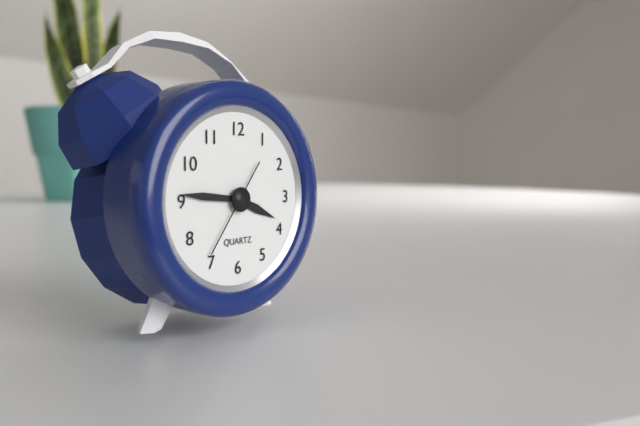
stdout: 3h46m36s
